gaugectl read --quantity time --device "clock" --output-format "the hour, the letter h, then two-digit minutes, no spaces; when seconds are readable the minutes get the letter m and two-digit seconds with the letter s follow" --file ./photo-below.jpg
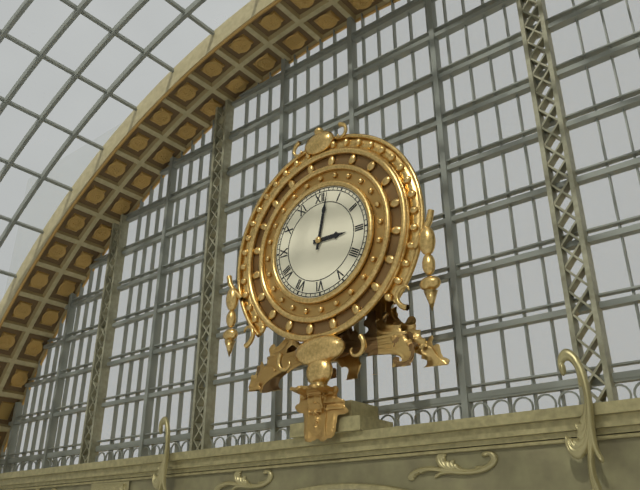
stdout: 3h02
